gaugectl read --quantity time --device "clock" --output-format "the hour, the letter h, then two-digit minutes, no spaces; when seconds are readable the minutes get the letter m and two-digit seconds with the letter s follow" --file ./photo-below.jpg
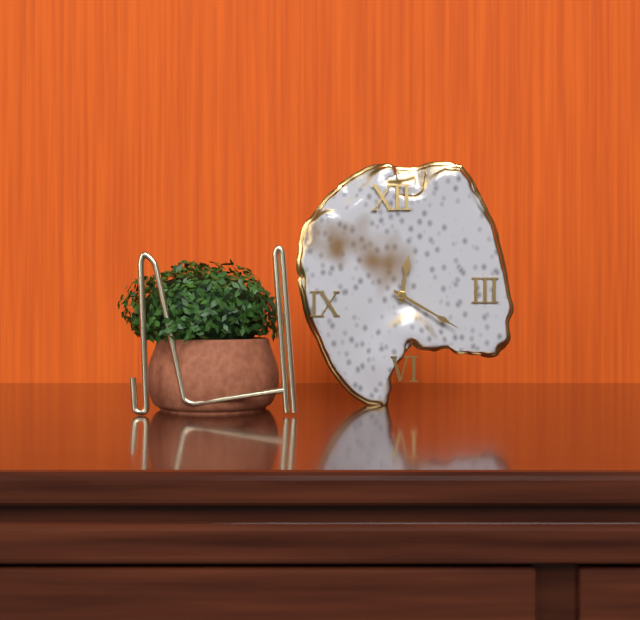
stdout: 12h20
